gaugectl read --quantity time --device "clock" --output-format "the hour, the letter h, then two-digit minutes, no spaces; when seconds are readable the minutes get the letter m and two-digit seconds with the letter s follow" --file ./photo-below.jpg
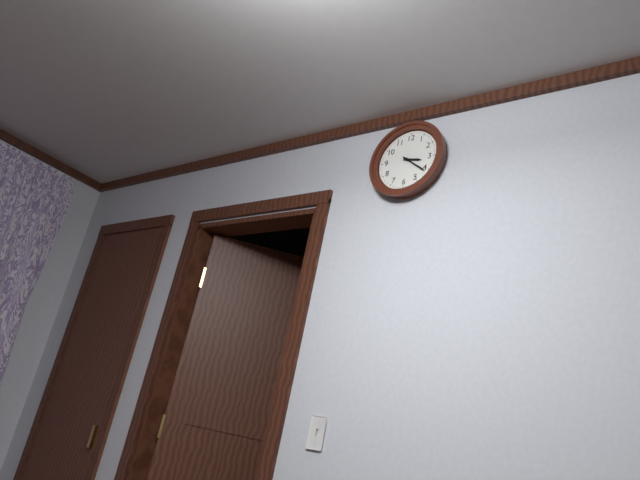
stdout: 3h21
